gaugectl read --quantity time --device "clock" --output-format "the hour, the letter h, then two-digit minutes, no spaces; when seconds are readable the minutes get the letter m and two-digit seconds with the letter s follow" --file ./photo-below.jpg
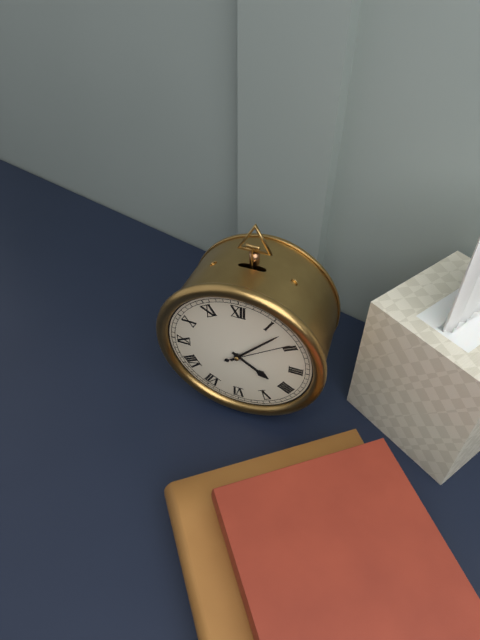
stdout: 4h07m09s
